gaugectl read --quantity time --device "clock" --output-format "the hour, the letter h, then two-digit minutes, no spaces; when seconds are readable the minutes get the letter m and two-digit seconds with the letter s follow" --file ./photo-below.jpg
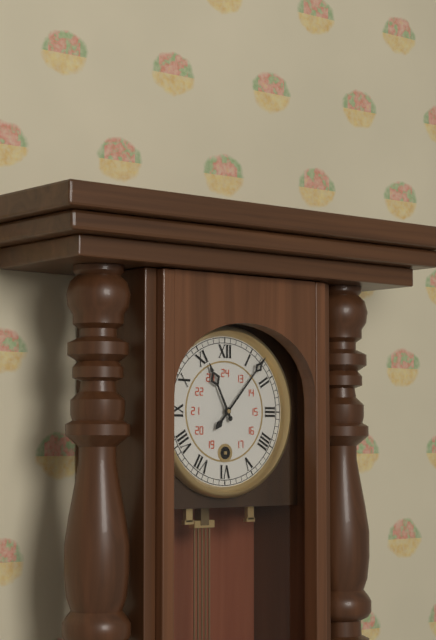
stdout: 11h07
